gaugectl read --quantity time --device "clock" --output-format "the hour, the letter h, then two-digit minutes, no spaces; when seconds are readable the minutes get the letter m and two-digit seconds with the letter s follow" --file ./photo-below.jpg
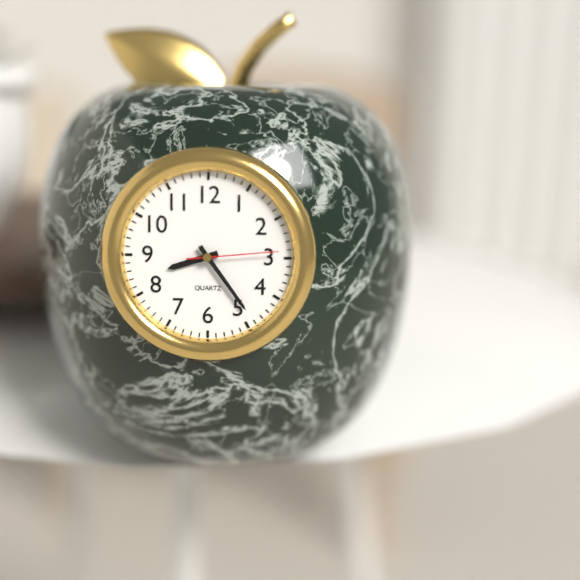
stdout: 8h24m14s
